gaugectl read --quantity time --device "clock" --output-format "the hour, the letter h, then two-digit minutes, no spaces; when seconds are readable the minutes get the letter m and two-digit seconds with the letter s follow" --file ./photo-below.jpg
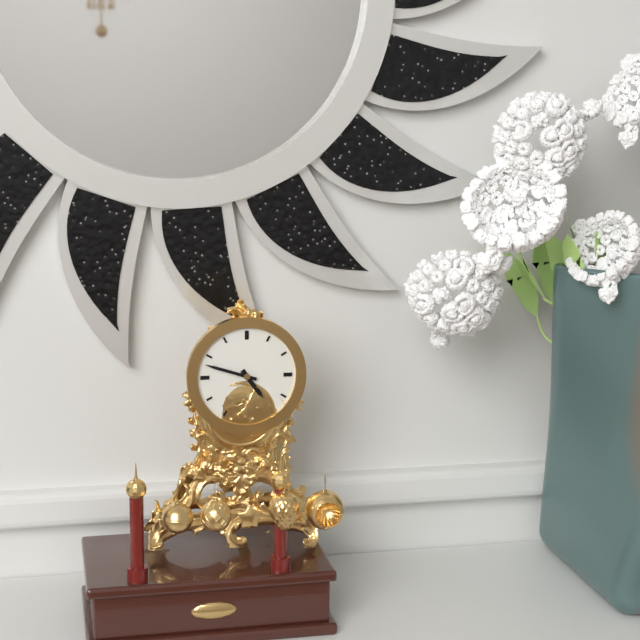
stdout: 4h48
